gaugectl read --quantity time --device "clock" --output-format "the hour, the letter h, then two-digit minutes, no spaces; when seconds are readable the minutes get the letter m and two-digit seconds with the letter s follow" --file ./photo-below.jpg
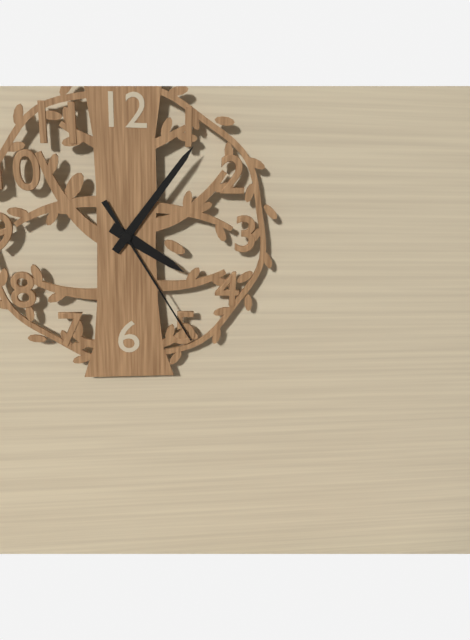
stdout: 4h06m25s
